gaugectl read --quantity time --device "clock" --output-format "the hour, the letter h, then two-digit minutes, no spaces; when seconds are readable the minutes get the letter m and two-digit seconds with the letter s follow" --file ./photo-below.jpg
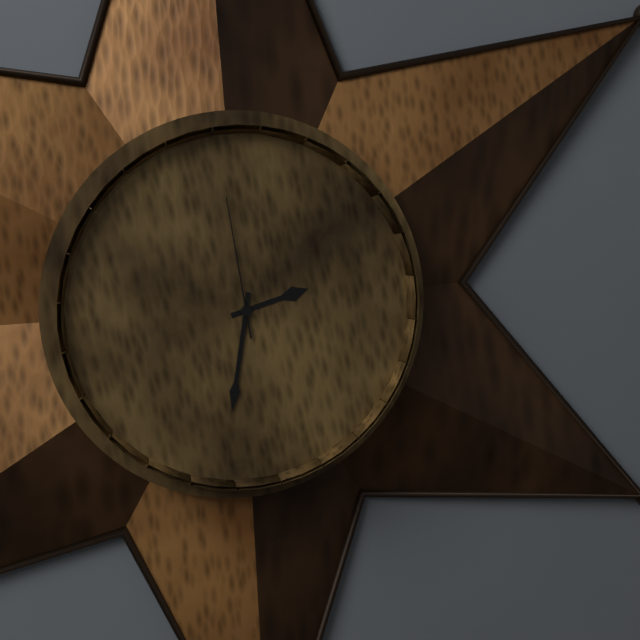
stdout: 2h32m59s
